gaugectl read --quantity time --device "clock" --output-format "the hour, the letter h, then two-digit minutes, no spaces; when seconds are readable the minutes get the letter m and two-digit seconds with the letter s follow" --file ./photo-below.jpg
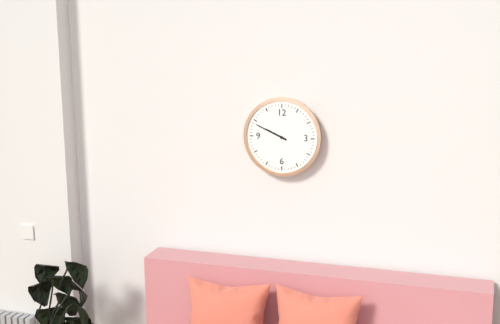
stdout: 9h49
